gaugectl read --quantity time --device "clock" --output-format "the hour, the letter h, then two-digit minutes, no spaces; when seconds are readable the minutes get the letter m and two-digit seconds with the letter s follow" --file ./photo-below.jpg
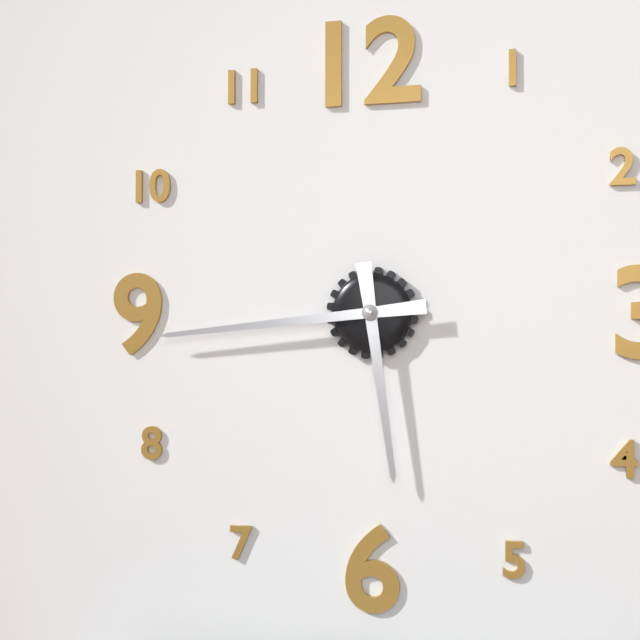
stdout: 5h44
